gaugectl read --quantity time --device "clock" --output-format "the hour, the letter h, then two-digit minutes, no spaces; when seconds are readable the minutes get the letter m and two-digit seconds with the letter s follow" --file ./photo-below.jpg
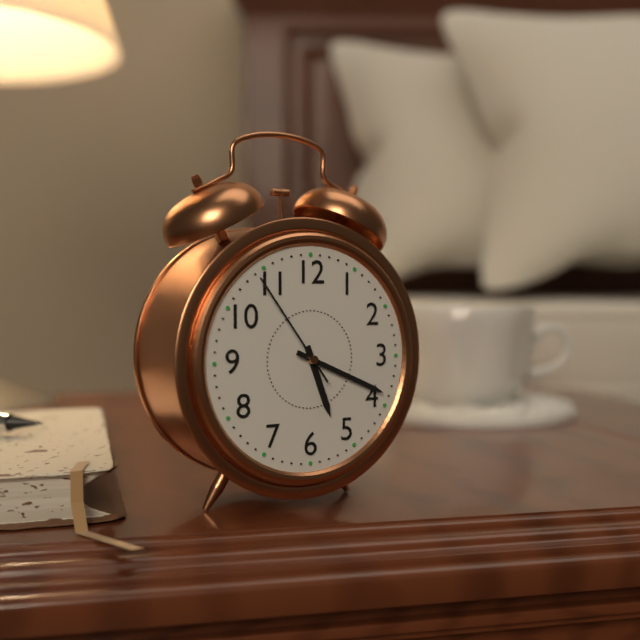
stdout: 5h19m54s
